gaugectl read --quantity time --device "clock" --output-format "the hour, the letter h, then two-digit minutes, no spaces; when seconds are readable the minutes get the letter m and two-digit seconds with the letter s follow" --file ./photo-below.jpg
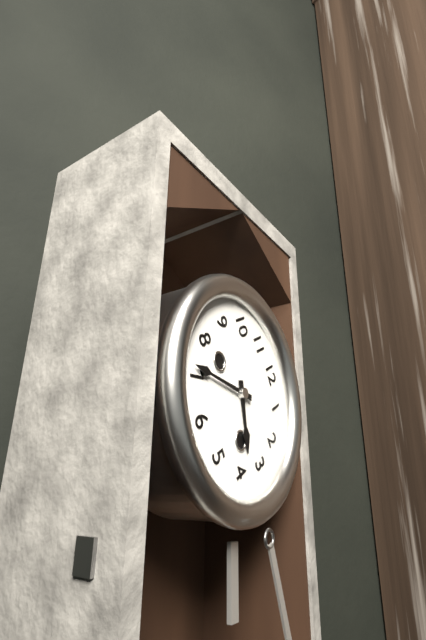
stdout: 3h36
